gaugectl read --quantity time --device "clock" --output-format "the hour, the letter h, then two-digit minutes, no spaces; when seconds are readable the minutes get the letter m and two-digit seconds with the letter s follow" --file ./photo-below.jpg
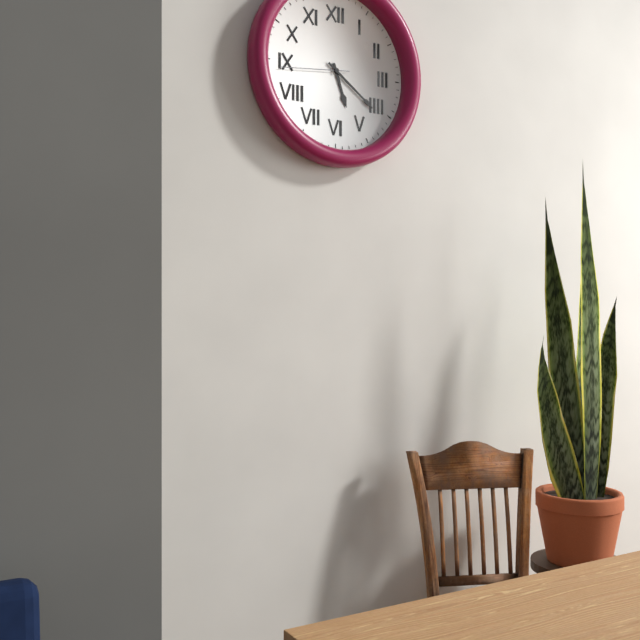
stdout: 5h21m44s
